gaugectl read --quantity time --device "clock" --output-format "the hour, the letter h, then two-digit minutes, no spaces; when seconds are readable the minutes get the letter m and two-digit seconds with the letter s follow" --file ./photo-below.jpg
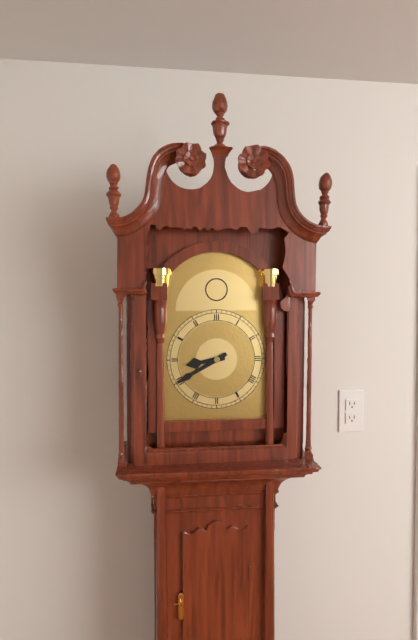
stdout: 8h40
